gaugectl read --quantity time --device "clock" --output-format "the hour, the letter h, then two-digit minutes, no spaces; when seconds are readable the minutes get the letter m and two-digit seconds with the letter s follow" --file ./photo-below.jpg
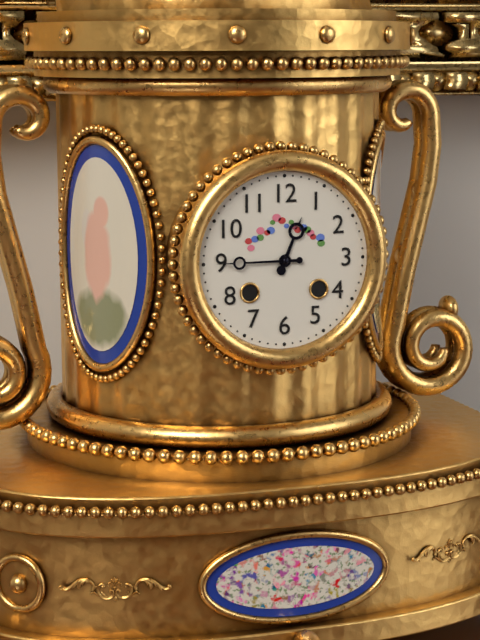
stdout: 12h45
